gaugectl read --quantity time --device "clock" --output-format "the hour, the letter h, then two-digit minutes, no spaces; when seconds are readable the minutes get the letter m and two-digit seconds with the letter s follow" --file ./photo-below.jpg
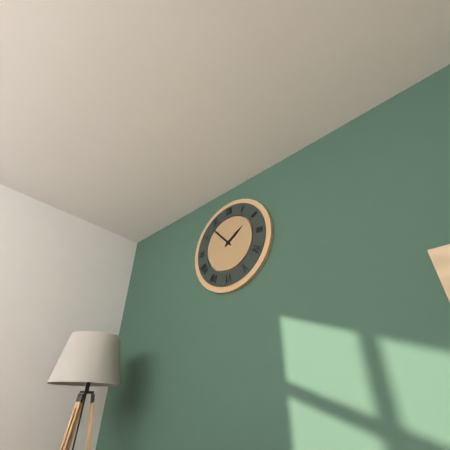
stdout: 1h53
